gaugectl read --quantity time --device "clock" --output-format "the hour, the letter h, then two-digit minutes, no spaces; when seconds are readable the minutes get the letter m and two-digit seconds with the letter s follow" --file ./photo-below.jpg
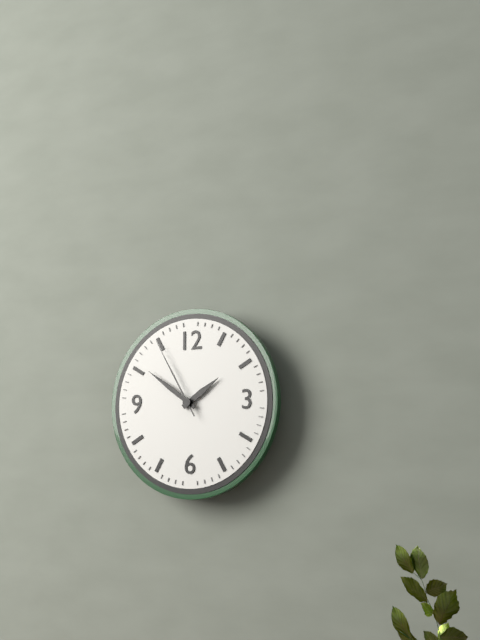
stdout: 1h51m55s
